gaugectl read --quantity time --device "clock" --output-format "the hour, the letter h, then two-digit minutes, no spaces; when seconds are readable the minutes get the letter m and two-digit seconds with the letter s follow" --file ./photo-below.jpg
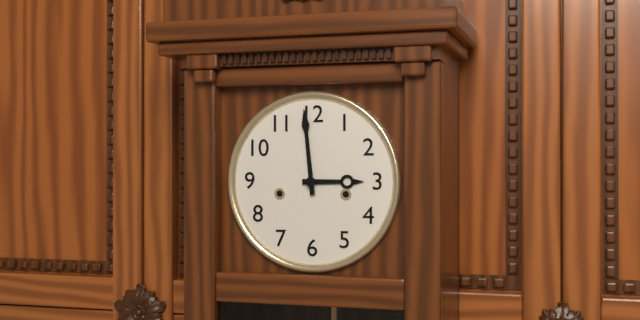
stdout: 2h59
